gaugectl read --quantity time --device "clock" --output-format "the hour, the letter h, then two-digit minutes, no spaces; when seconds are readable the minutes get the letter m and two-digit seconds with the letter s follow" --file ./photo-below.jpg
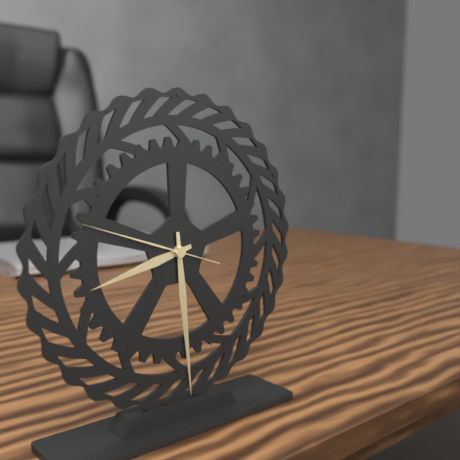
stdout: 8h29m48s
